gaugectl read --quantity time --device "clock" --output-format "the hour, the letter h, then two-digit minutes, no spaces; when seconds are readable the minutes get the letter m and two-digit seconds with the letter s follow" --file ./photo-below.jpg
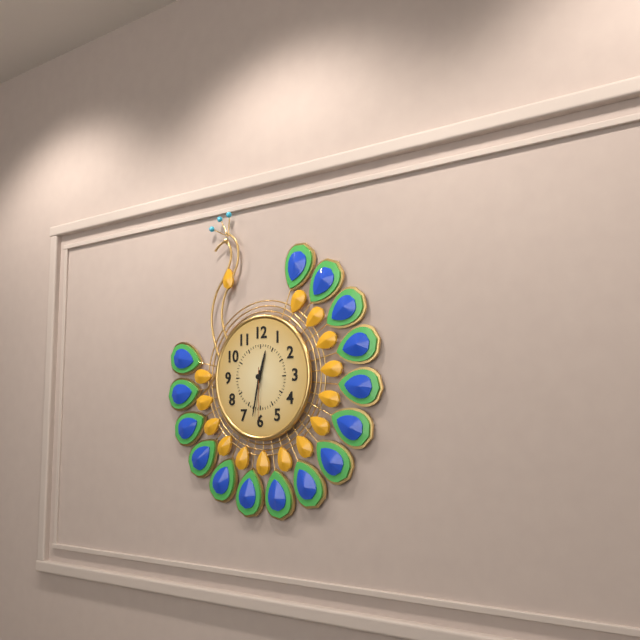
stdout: 12h32m30s
